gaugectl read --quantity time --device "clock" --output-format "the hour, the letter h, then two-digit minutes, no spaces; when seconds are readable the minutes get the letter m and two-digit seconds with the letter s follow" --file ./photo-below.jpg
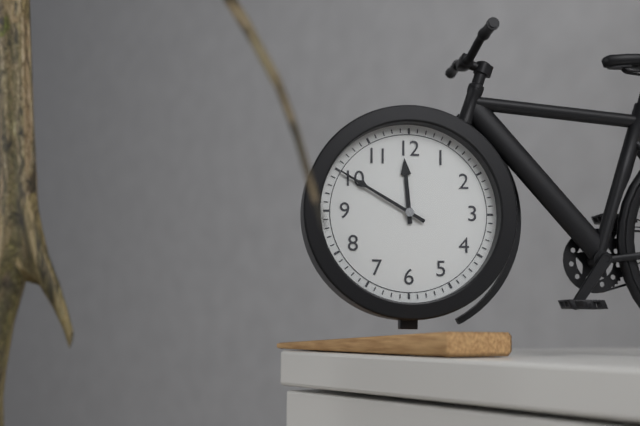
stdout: 11h50
